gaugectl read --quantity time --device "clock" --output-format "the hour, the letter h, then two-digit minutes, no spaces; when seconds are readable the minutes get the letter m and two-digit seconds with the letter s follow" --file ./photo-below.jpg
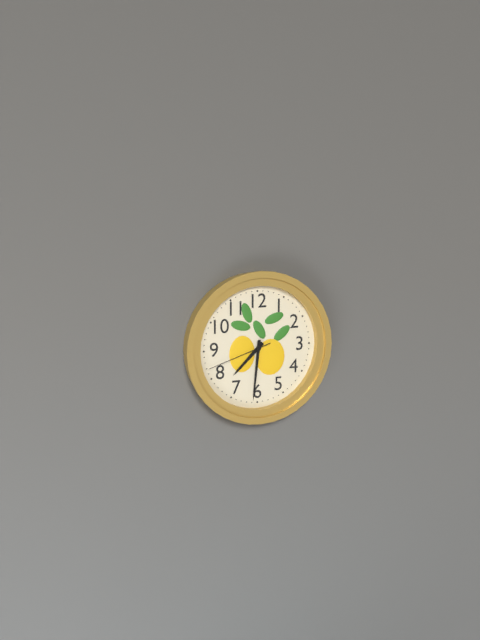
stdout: 7h31m42s
